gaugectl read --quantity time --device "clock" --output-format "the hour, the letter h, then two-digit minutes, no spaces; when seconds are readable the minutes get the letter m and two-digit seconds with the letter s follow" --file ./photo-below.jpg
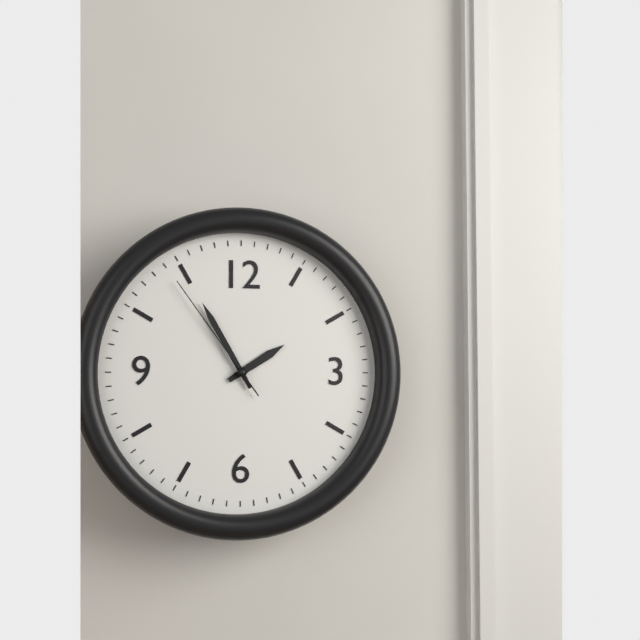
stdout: 1h55m54s
